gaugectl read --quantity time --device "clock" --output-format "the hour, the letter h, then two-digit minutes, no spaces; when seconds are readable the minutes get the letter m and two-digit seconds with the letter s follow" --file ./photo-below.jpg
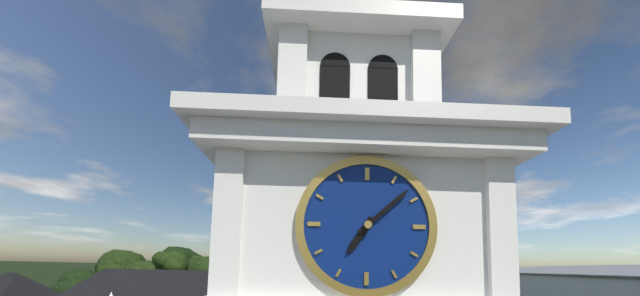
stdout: 7h08
